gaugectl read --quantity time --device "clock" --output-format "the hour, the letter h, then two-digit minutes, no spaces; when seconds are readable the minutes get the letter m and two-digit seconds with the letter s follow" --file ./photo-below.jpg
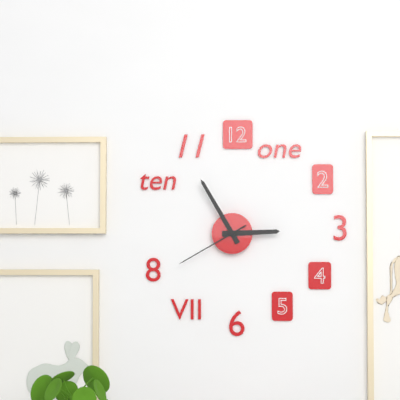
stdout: 2h55m40s
